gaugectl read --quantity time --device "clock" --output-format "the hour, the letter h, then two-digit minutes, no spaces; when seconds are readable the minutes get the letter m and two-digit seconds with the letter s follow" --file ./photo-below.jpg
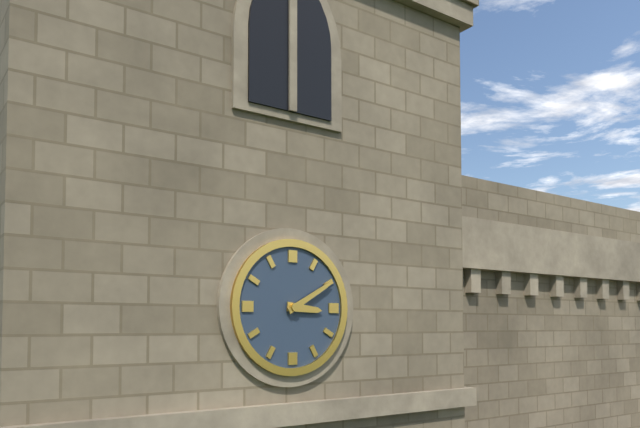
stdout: 3h10
